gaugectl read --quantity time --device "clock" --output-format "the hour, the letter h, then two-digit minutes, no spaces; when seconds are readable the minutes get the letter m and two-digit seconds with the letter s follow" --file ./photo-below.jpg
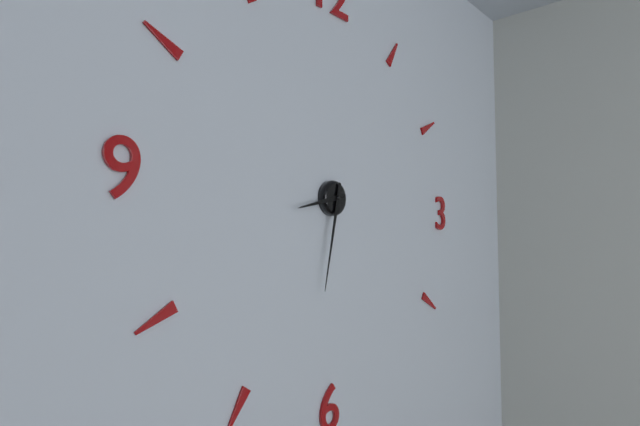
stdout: 8h32
